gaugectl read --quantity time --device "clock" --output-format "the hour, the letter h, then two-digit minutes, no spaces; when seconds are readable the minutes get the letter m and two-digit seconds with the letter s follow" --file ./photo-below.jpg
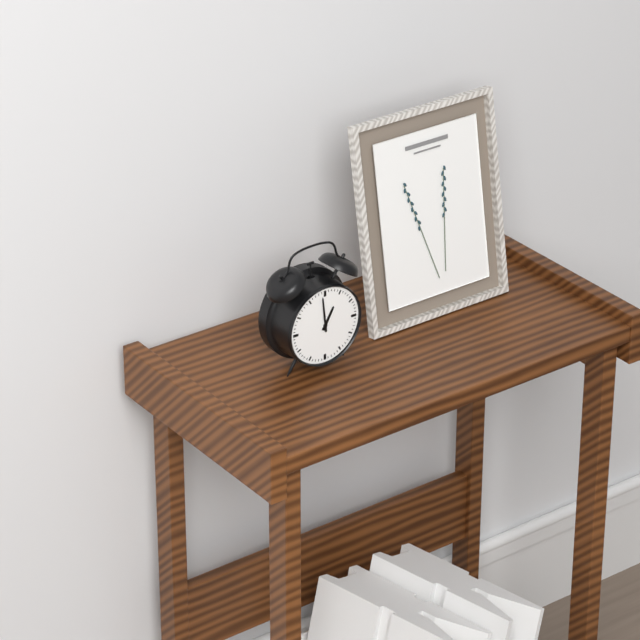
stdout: 12h59
